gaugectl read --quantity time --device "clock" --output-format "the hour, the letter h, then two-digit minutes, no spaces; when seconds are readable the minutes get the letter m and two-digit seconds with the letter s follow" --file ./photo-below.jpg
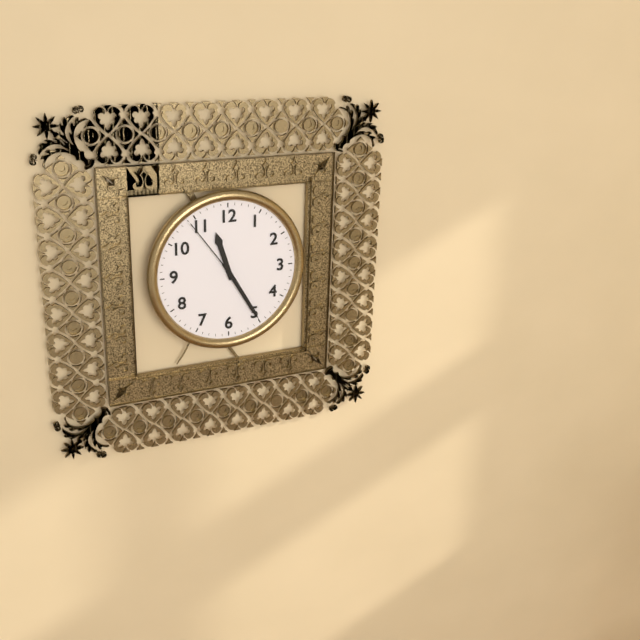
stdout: 11h25m54s
